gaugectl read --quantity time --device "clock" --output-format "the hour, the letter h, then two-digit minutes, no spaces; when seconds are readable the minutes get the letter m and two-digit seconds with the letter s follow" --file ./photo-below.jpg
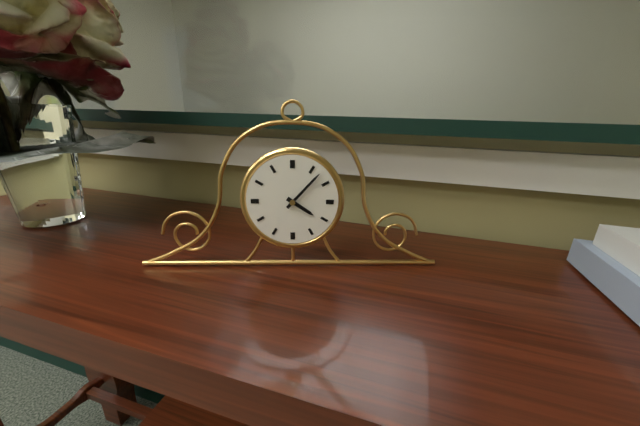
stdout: 4h07
